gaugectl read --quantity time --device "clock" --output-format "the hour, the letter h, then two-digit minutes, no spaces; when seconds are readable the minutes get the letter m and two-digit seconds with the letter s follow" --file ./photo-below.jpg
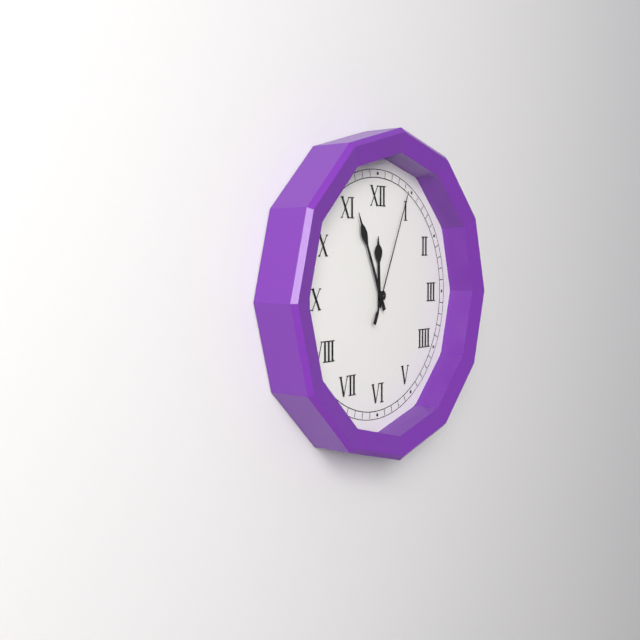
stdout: 11h56m04s
